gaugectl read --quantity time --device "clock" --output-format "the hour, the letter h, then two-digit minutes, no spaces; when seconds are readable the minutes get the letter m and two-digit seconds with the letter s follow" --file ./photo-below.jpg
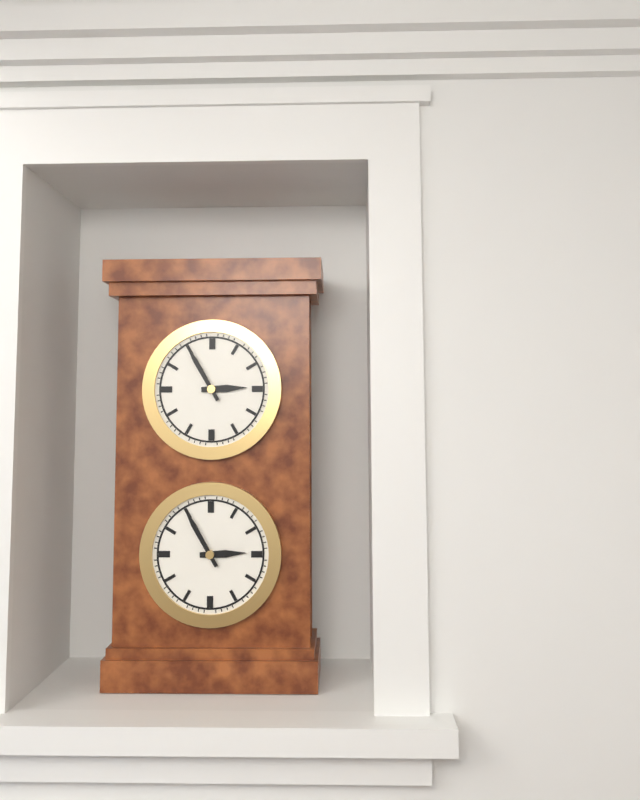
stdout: 2h55
